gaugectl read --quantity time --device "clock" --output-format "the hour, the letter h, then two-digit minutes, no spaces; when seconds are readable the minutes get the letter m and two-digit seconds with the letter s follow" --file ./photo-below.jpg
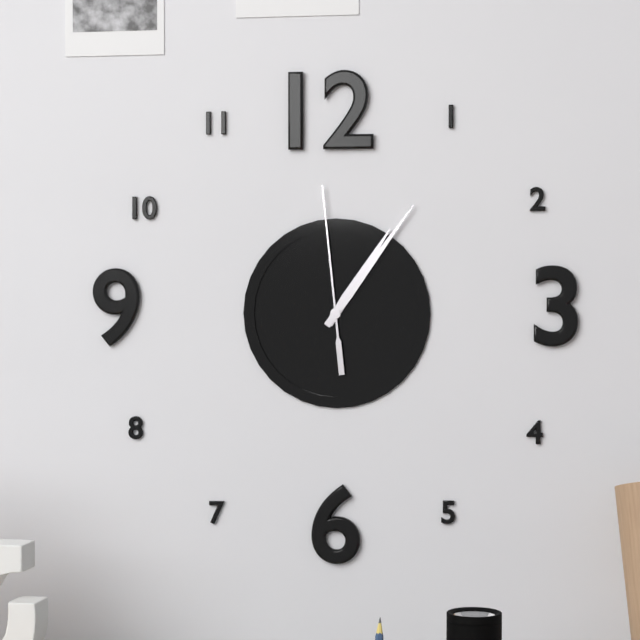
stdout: 1h06m59s
